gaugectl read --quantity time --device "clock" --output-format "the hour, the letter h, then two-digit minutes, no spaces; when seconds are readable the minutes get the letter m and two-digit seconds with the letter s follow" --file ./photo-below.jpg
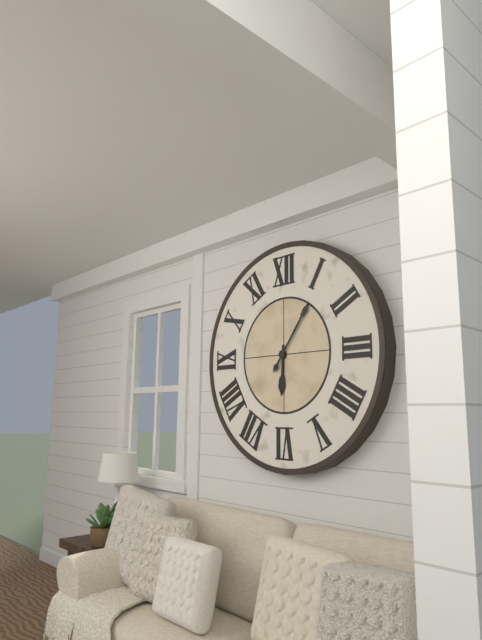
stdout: 6h06
